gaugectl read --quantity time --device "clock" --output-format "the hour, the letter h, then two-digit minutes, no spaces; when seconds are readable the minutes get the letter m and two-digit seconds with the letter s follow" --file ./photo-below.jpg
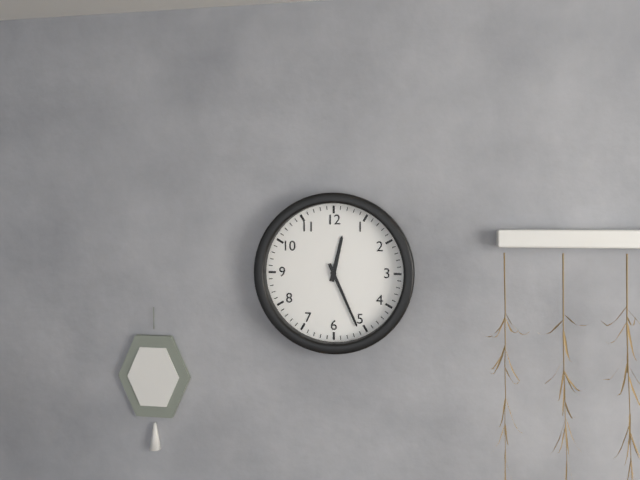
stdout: 12h26
